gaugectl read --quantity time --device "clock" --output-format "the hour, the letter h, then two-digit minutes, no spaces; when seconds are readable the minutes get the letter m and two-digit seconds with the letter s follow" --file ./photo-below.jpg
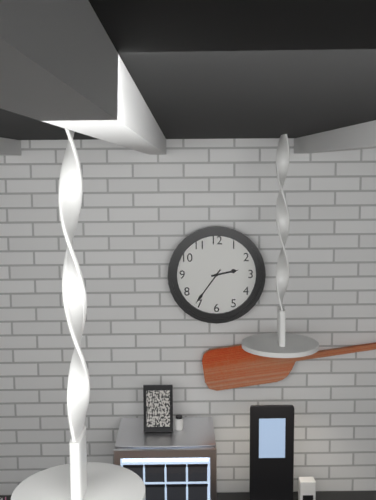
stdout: 2h36
